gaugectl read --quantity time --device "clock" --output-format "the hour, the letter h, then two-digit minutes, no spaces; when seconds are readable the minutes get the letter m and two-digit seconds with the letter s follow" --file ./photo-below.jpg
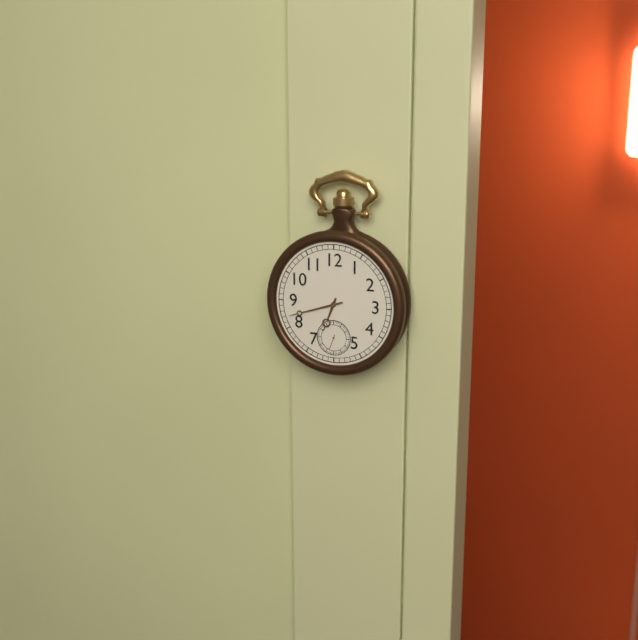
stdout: 6h42
